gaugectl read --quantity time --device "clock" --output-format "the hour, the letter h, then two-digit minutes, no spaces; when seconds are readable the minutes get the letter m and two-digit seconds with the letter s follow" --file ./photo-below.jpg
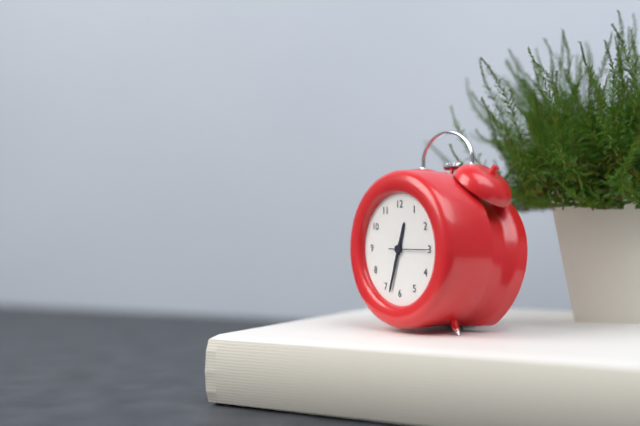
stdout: 12h33
